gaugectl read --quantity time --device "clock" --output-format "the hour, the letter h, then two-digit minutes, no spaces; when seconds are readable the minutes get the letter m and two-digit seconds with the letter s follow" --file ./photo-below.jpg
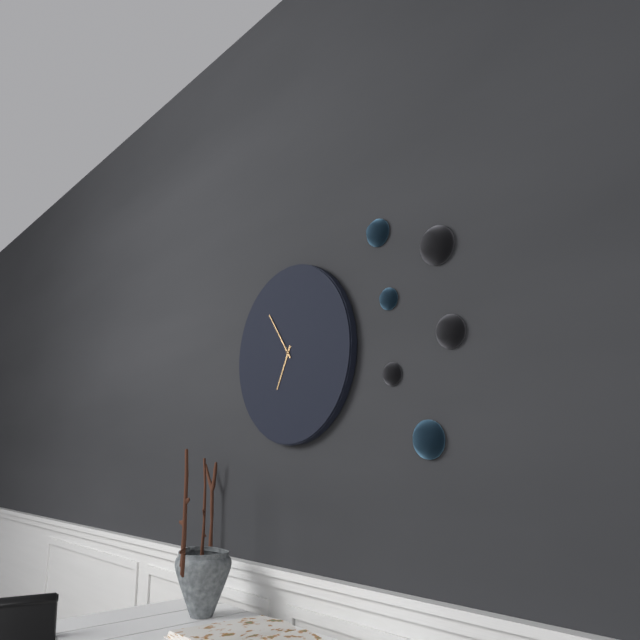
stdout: 6h54
